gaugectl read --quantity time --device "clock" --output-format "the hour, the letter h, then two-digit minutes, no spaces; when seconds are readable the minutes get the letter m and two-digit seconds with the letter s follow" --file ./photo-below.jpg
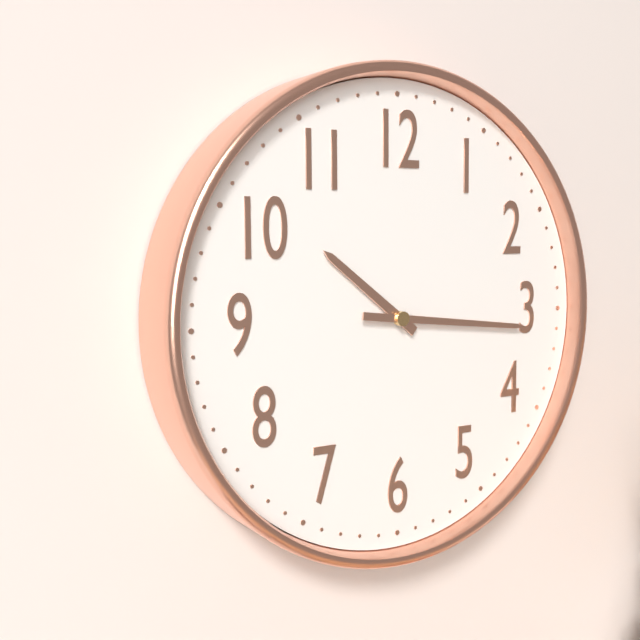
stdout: 10h16
